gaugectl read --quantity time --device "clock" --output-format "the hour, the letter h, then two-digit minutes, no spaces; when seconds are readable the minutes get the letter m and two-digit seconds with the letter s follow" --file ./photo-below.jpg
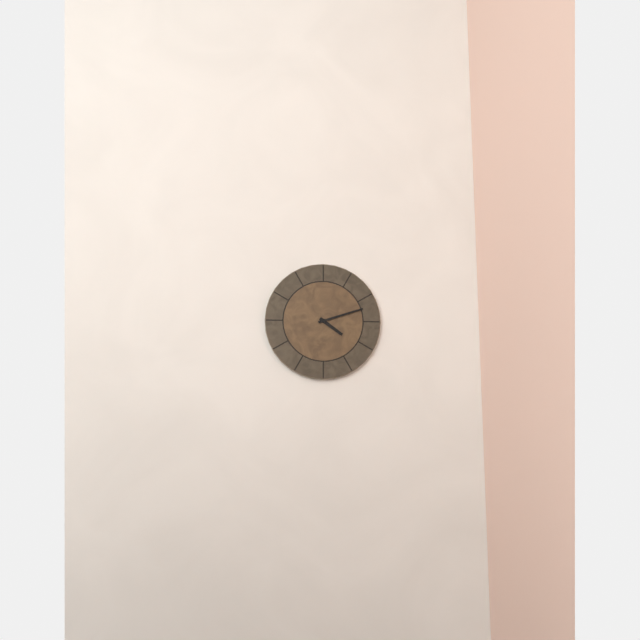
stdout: 4h12
